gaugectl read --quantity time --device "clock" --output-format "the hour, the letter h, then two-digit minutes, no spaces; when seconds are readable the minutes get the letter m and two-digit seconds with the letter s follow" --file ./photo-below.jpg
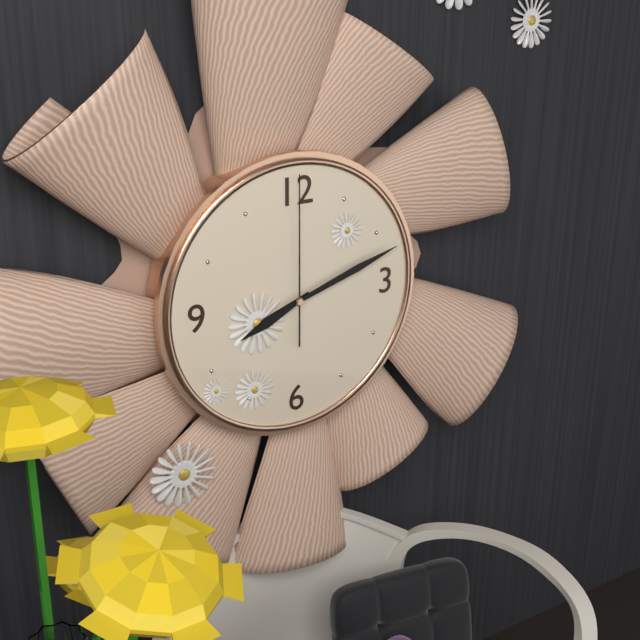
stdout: 8h12m00s
